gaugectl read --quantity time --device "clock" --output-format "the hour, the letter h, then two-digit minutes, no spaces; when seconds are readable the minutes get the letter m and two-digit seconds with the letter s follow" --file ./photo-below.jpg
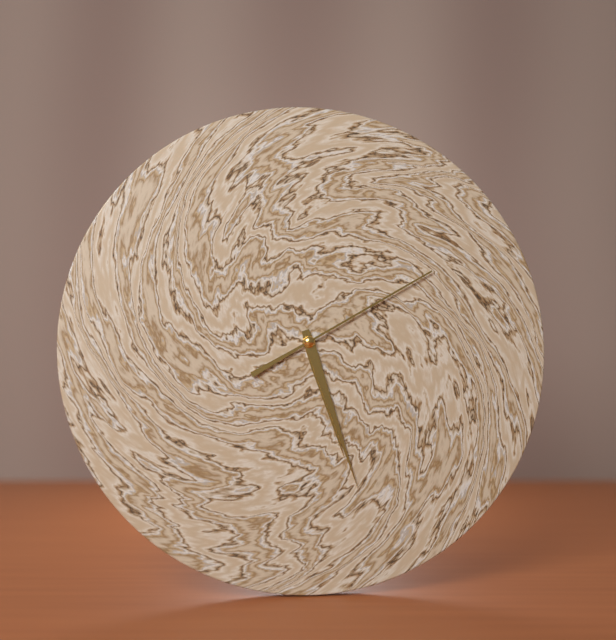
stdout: 5h27m10s
